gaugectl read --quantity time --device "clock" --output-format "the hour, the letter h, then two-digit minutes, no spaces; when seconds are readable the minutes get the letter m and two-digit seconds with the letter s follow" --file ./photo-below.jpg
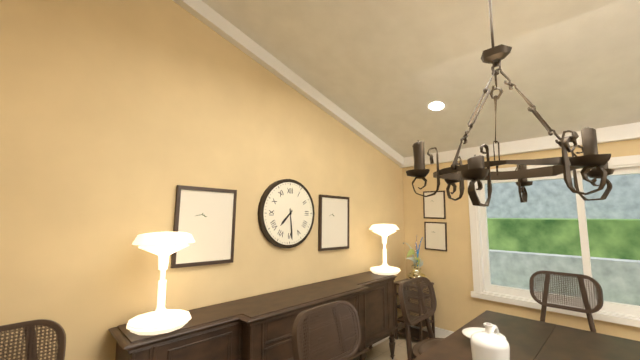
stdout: 7h29
